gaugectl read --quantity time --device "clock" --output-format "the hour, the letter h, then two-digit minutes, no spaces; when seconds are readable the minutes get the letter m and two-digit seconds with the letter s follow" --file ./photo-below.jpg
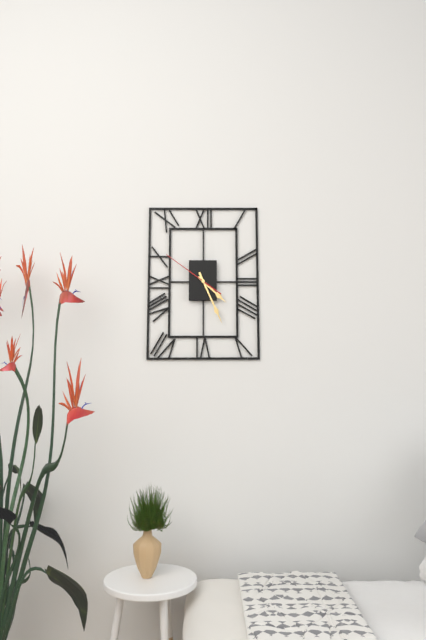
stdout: 4h26m51s
